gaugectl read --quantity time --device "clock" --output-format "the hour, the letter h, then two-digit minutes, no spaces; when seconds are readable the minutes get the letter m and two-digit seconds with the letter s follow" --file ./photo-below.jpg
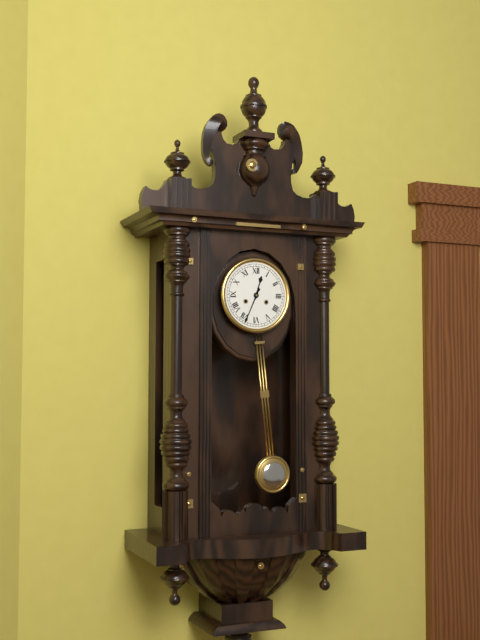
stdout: 12h34
